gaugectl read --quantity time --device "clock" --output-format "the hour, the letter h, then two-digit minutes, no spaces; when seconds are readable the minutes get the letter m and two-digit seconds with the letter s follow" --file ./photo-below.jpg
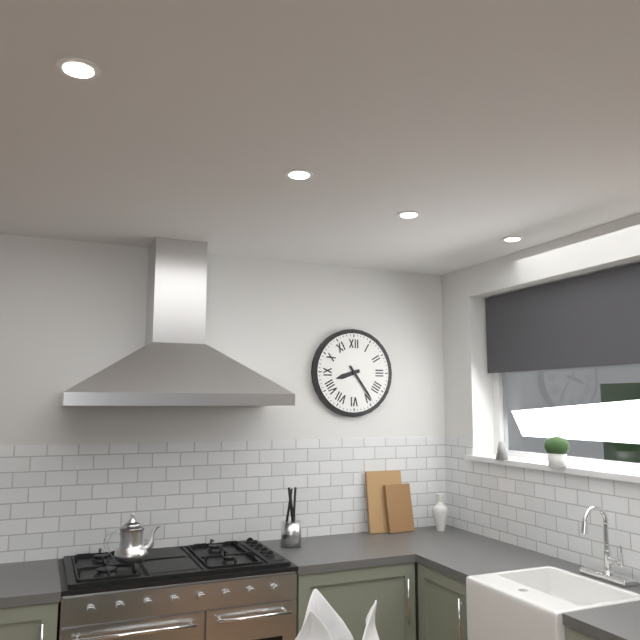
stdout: 8h24
